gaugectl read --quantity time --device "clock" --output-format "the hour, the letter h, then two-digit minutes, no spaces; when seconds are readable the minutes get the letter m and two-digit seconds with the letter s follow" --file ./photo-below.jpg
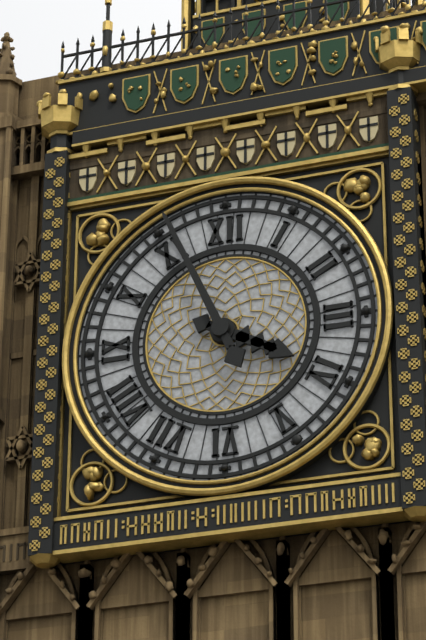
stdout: 3h56
